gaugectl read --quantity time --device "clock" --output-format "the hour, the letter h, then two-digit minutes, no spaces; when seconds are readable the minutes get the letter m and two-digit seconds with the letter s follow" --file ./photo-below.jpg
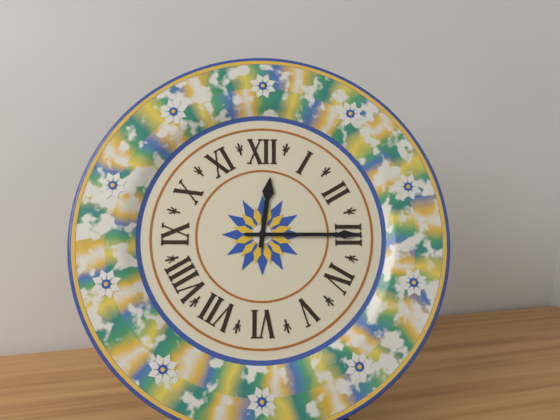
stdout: 12h15
